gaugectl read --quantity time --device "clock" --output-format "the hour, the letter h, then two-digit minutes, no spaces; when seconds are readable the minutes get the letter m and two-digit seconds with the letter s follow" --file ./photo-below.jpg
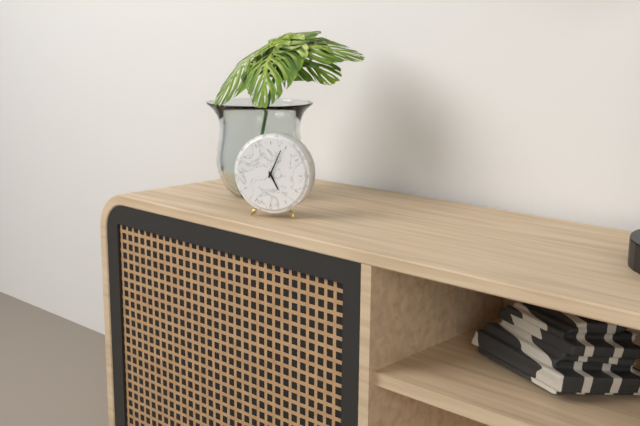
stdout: 5h04
